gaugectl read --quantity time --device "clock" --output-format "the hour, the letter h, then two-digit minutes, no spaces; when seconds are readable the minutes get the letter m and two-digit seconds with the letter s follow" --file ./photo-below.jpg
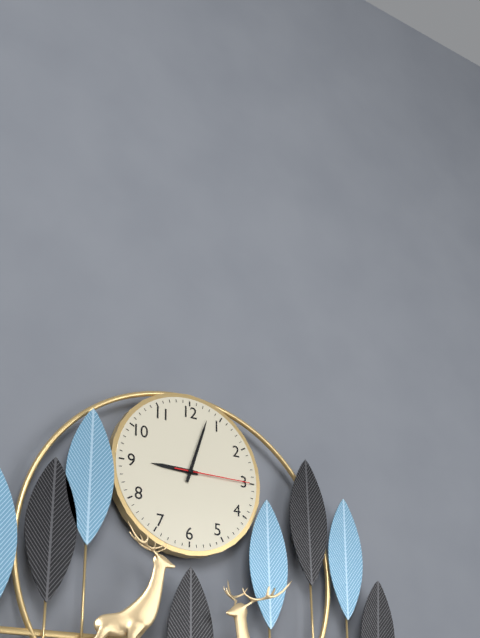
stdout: 9h03m15s
